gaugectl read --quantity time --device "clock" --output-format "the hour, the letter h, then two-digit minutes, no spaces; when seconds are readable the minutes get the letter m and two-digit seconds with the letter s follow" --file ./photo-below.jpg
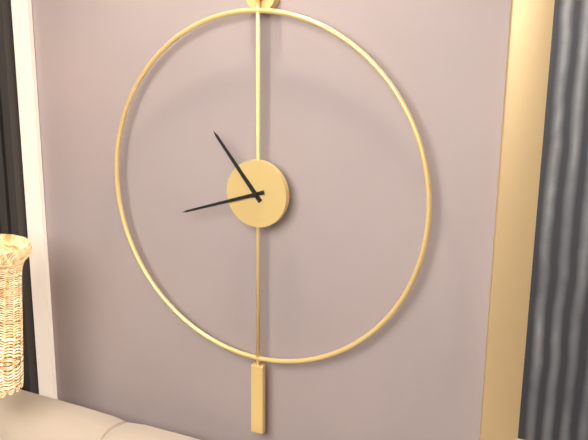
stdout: 10h42
